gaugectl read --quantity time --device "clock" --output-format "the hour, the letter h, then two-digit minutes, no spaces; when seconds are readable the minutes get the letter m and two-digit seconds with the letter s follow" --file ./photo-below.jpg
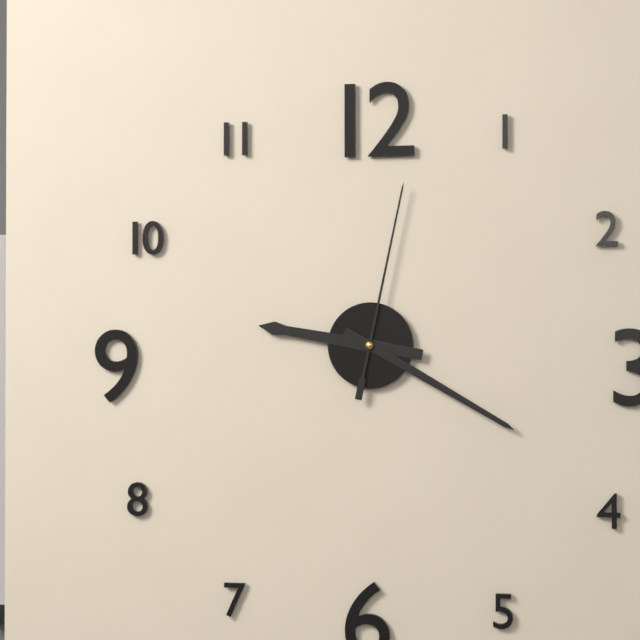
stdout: 9h20m02s
